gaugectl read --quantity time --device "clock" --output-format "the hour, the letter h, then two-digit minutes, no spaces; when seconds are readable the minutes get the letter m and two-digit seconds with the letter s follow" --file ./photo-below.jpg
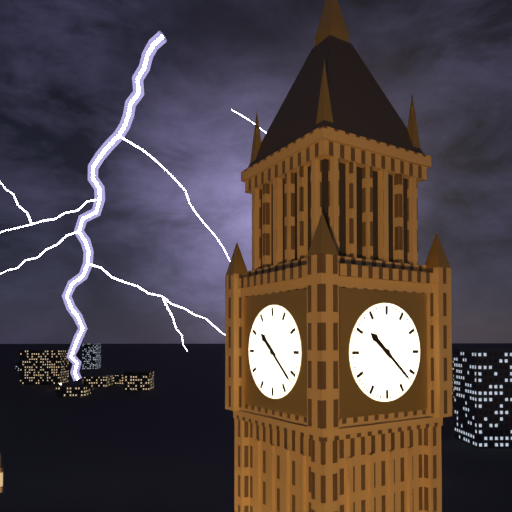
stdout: 10h22
